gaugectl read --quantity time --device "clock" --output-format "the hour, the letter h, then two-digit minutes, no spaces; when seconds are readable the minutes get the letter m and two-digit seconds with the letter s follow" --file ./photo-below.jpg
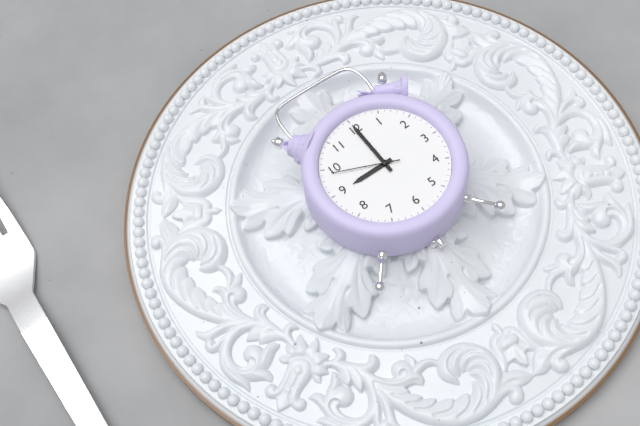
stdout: 9h00m49s
